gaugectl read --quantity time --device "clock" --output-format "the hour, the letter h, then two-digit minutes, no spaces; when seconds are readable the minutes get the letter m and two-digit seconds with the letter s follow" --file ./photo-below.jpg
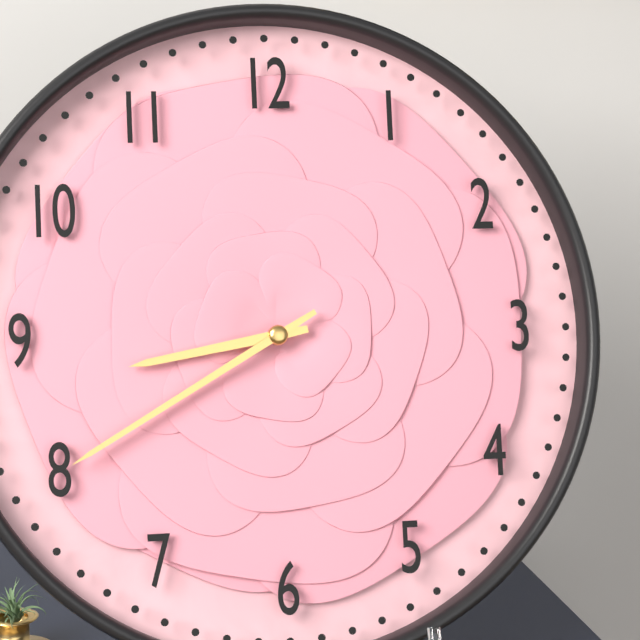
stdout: 8h40
